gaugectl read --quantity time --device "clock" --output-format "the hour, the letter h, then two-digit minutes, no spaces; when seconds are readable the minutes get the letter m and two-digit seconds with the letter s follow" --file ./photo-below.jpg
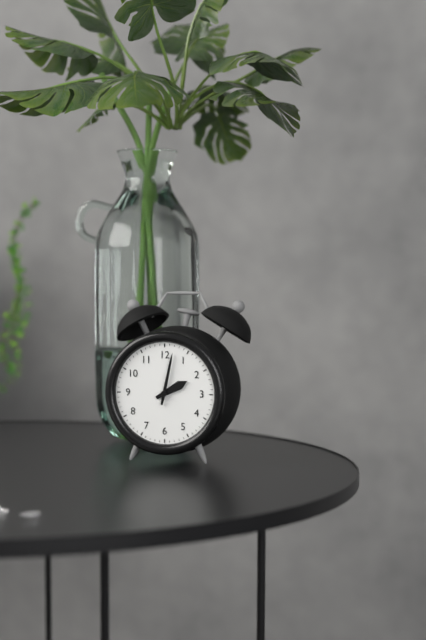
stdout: 2h02
